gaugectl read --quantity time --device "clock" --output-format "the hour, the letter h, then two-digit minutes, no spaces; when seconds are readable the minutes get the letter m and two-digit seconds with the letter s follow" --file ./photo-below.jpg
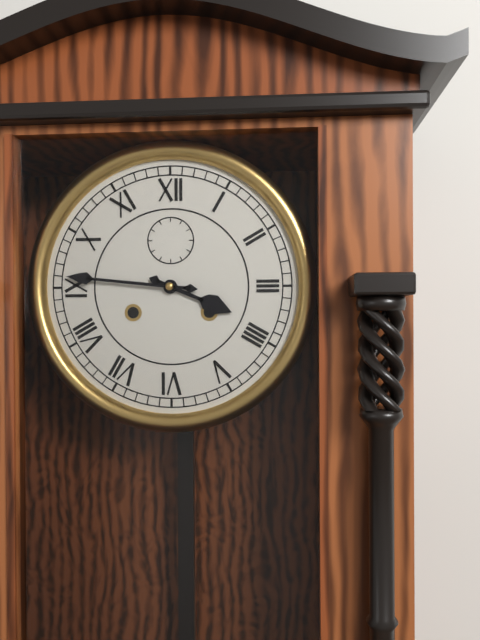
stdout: 3h46
